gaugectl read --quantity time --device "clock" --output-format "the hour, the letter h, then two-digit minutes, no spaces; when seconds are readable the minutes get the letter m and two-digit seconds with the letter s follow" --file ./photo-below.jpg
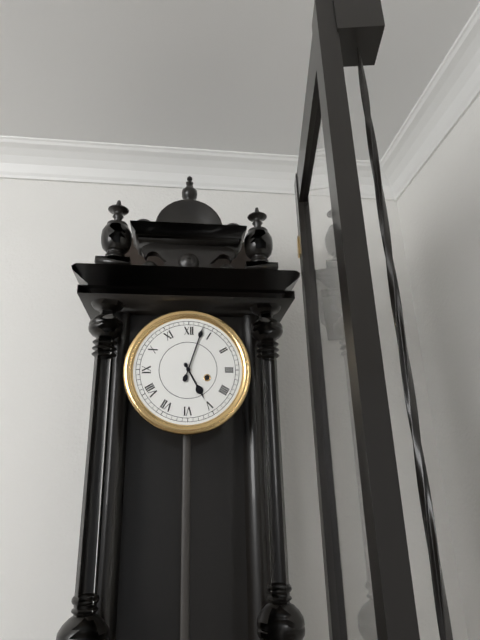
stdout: 5h03
